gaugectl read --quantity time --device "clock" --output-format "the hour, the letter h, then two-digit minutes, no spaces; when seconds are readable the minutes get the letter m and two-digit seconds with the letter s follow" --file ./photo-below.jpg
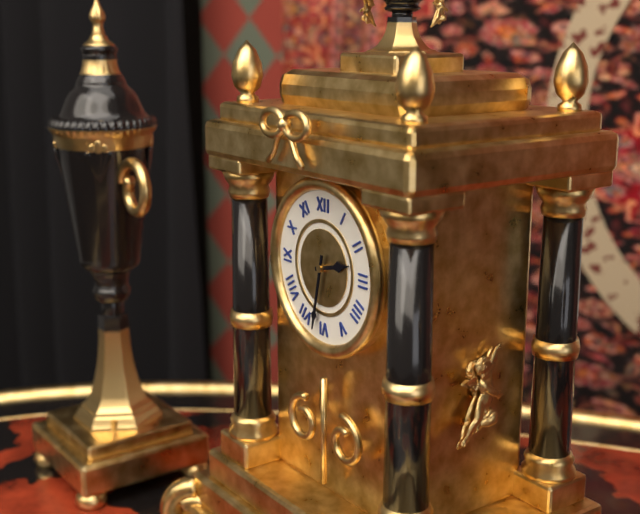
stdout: 2h32
